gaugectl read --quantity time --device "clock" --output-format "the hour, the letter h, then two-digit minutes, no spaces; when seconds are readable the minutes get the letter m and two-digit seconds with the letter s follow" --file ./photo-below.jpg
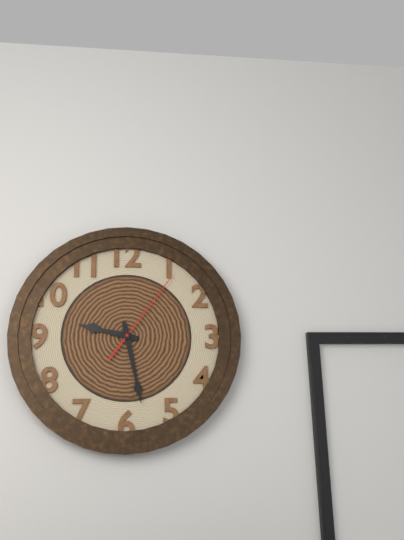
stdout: 9h28m06s
